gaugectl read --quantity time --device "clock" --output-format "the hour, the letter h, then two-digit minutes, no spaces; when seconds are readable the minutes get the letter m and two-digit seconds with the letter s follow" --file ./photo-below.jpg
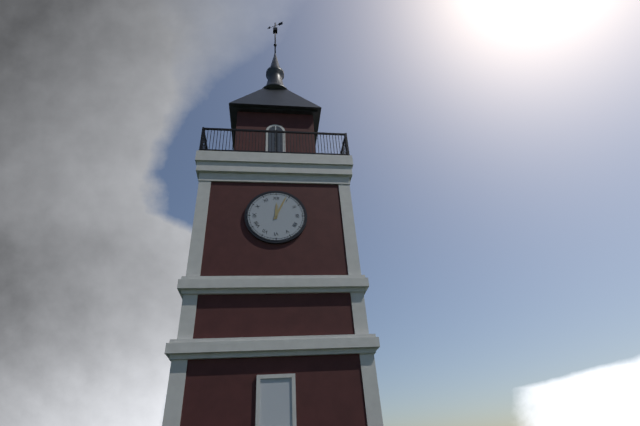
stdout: 12h04
